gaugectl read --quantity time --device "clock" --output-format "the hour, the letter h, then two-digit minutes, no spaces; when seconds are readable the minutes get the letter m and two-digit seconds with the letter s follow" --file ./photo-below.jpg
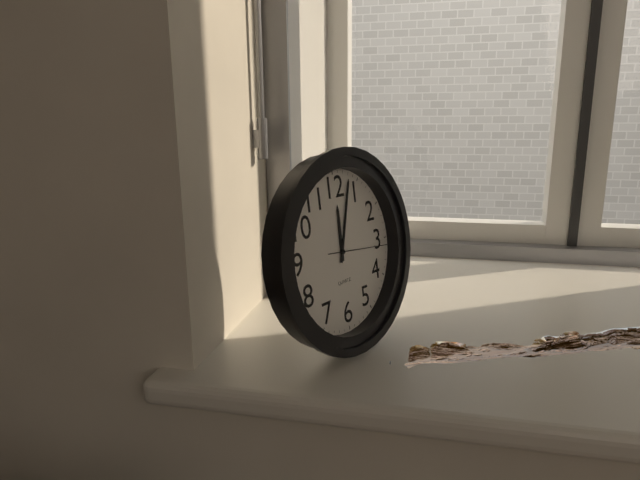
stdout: 12h03m16s
